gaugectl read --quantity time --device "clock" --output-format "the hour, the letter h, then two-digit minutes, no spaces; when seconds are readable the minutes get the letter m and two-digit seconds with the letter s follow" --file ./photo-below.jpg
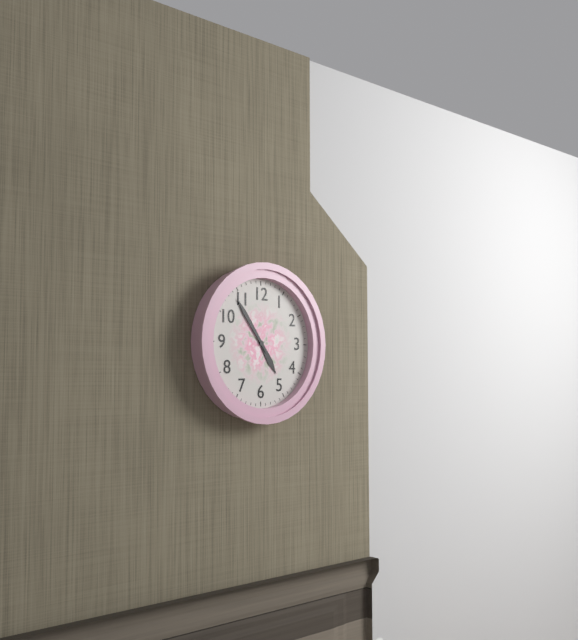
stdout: 4h54
